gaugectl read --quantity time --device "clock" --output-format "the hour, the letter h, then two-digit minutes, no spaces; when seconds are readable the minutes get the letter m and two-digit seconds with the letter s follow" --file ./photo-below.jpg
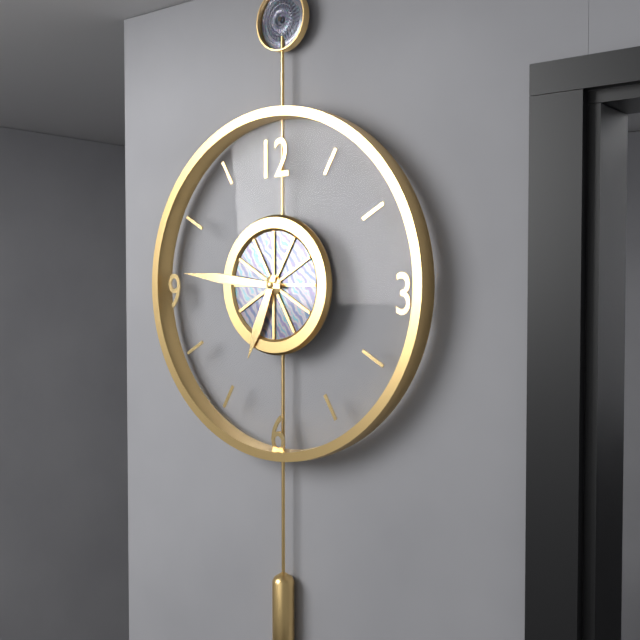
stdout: 6h46
